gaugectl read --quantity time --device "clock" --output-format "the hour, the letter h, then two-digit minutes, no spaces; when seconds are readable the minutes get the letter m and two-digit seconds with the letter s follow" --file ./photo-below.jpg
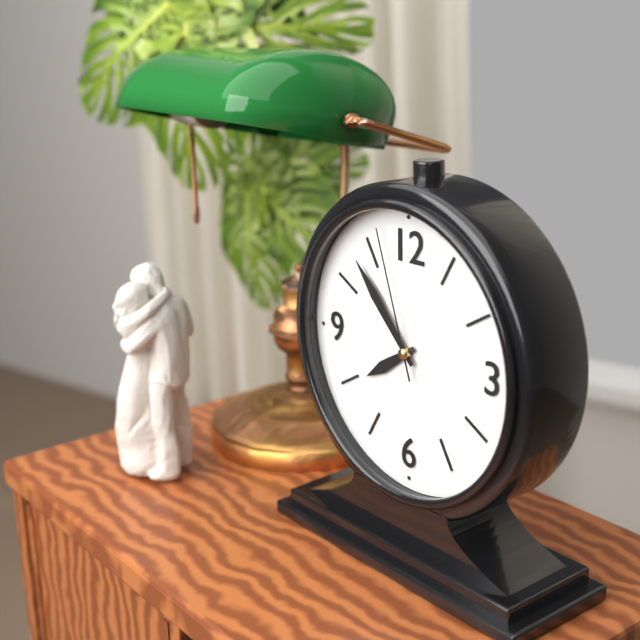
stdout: 7h53m57s
